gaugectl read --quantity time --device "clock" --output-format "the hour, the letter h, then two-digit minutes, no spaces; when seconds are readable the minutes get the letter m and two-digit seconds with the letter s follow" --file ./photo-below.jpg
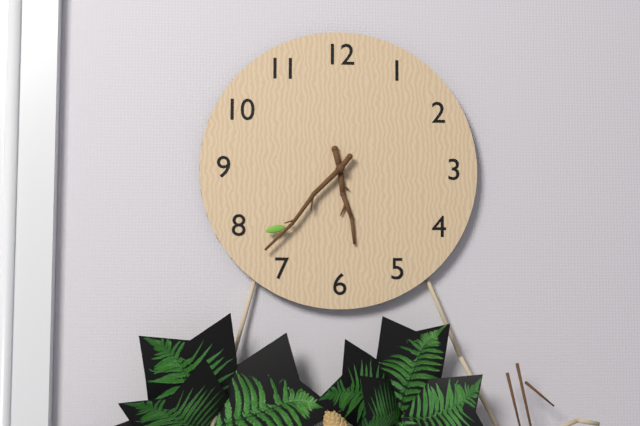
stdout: 5h37
